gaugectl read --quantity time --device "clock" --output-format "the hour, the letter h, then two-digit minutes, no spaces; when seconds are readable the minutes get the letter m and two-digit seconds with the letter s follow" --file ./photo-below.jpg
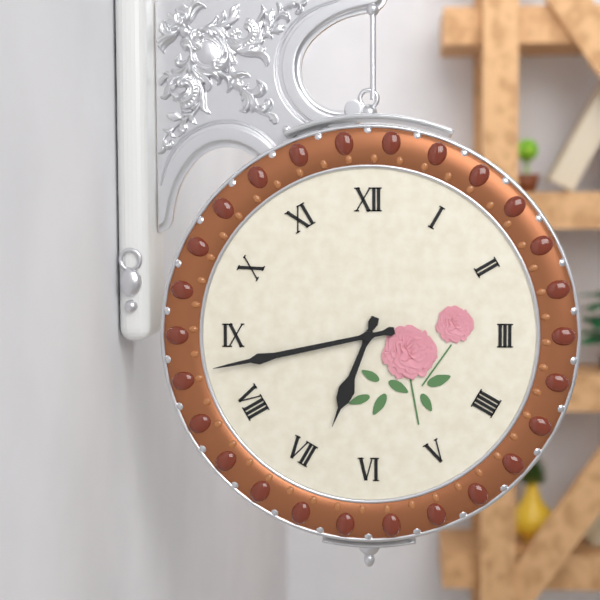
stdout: 6h43
